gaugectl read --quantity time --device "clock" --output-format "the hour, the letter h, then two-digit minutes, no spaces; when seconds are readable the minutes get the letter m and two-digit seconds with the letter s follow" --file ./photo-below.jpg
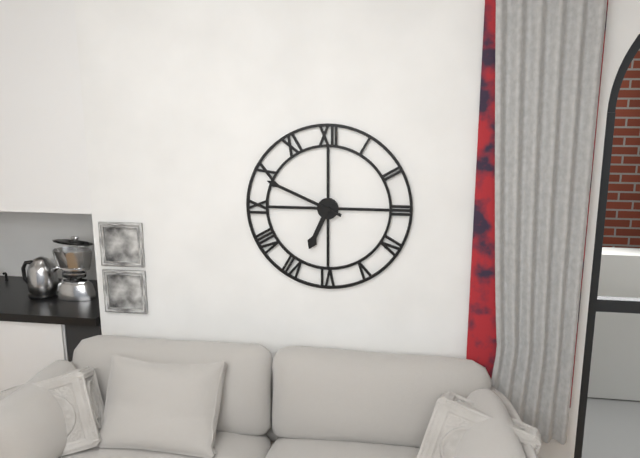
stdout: 6h49
